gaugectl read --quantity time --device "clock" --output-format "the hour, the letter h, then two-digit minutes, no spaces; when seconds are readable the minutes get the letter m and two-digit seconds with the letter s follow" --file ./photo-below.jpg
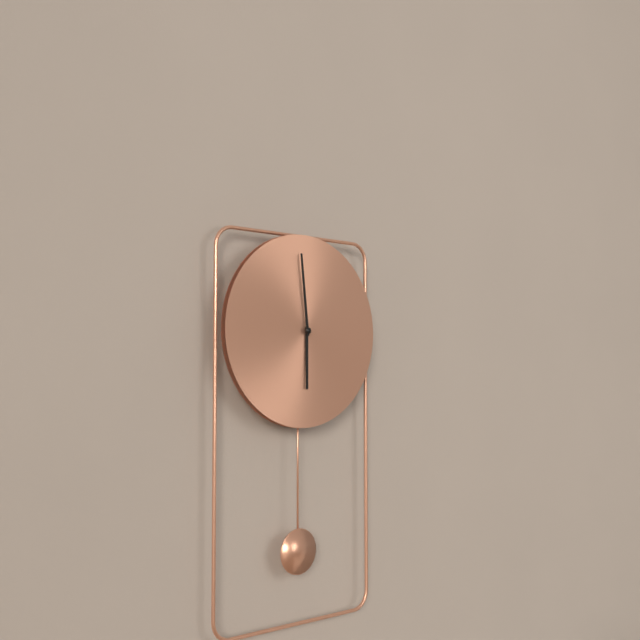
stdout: 5h59
